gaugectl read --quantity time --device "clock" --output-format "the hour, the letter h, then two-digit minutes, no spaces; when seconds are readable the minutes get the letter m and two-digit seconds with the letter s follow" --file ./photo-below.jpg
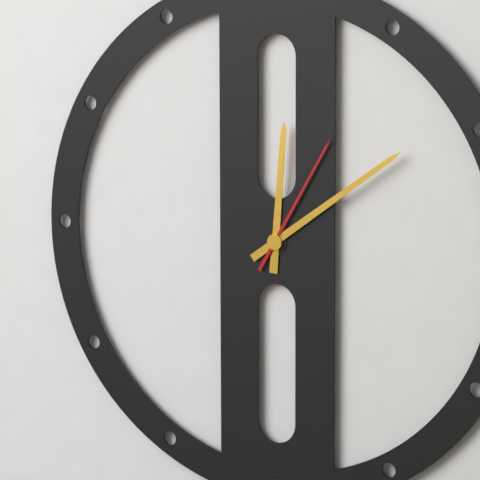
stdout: 12h09m05s
